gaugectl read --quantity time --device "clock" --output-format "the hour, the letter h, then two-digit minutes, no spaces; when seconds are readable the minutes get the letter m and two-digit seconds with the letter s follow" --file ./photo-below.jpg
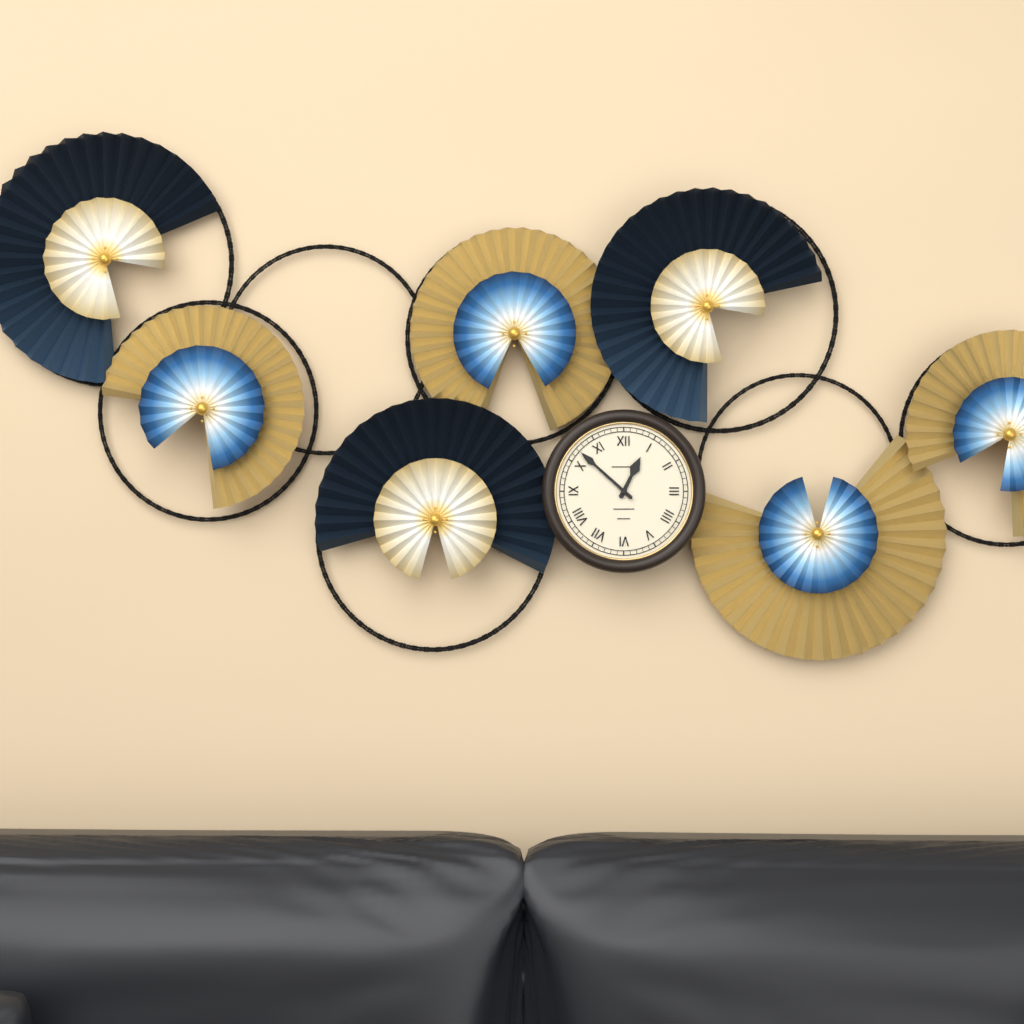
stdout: 12h52
